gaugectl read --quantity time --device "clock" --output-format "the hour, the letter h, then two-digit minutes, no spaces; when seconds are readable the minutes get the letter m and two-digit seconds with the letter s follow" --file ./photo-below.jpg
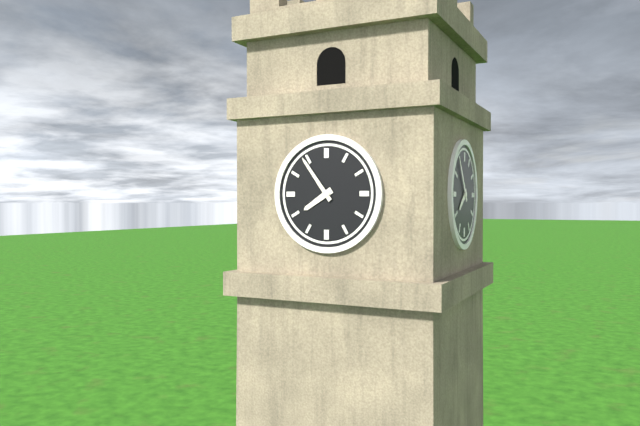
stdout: 7h54
